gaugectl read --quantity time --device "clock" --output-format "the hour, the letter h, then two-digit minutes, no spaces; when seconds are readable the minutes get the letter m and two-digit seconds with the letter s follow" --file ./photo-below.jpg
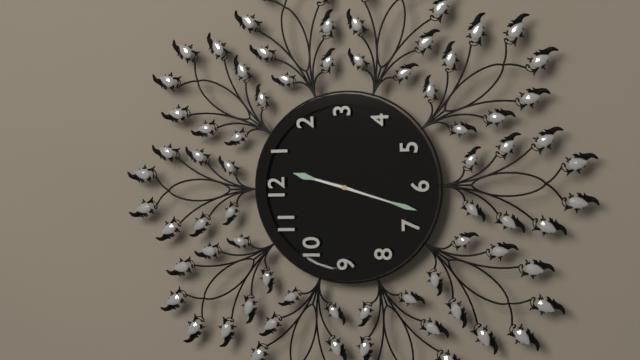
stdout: 12h33
